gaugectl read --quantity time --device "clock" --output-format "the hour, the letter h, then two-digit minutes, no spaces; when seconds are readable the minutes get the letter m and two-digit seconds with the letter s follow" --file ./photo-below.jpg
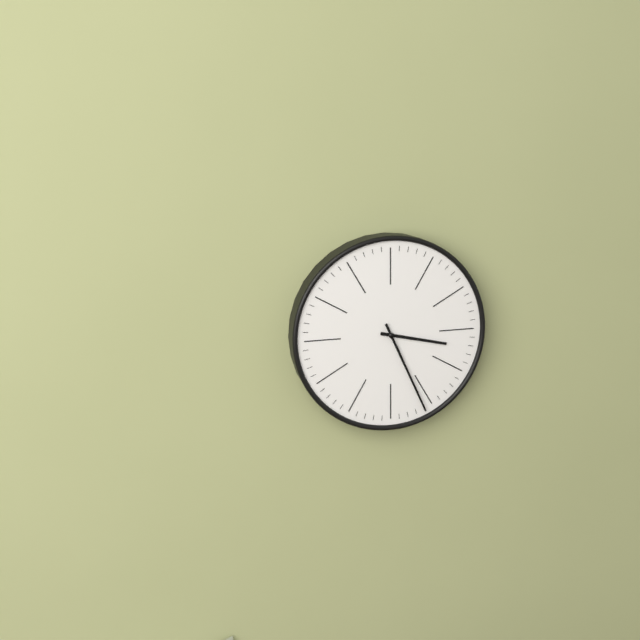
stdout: 3h26
